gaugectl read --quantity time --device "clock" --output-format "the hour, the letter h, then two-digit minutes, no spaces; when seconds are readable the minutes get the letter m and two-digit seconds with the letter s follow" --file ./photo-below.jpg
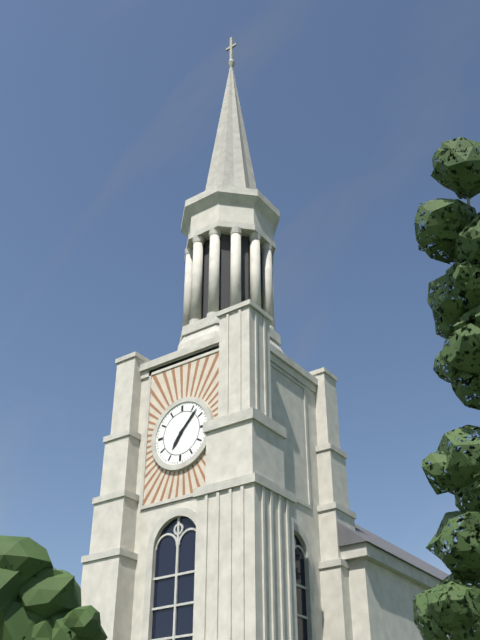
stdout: 7h07
